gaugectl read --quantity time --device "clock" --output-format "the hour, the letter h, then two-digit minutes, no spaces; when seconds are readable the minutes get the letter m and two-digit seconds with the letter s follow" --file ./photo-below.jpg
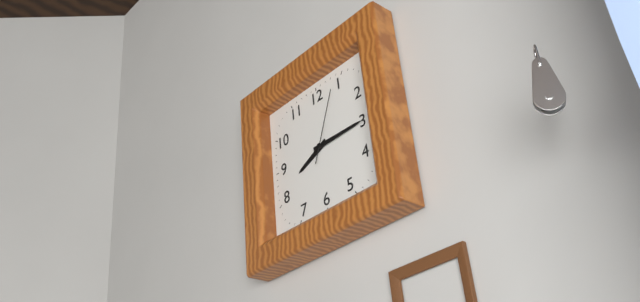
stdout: 8h15m04s
